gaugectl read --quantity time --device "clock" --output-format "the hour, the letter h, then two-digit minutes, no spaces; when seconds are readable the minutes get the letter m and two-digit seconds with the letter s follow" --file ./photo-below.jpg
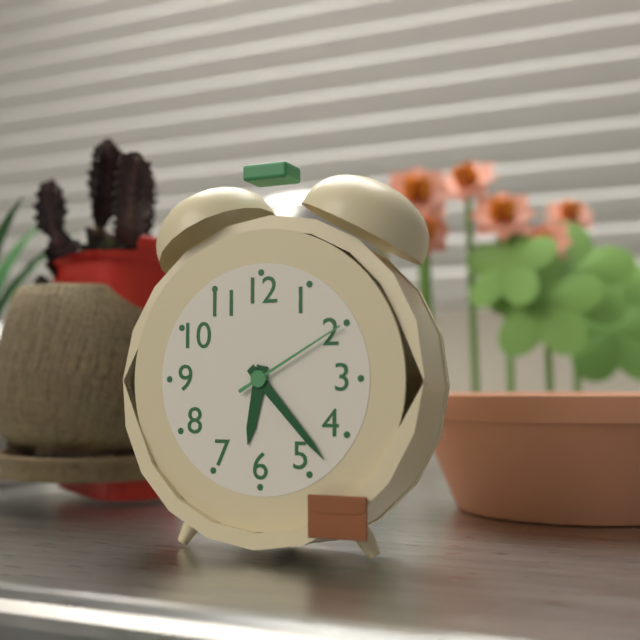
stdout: 6h23m10s
